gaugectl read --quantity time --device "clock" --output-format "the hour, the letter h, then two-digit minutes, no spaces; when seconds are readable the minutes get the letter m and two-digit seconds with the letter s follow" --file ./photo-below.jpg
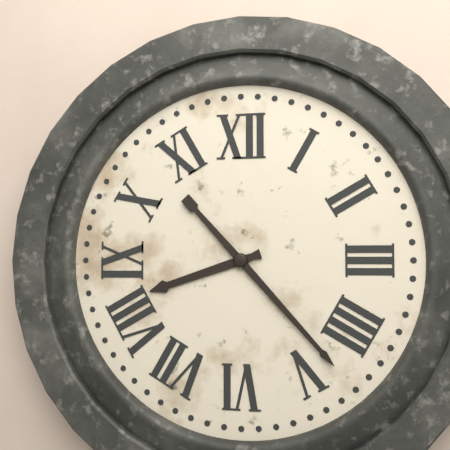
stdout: 8h23
